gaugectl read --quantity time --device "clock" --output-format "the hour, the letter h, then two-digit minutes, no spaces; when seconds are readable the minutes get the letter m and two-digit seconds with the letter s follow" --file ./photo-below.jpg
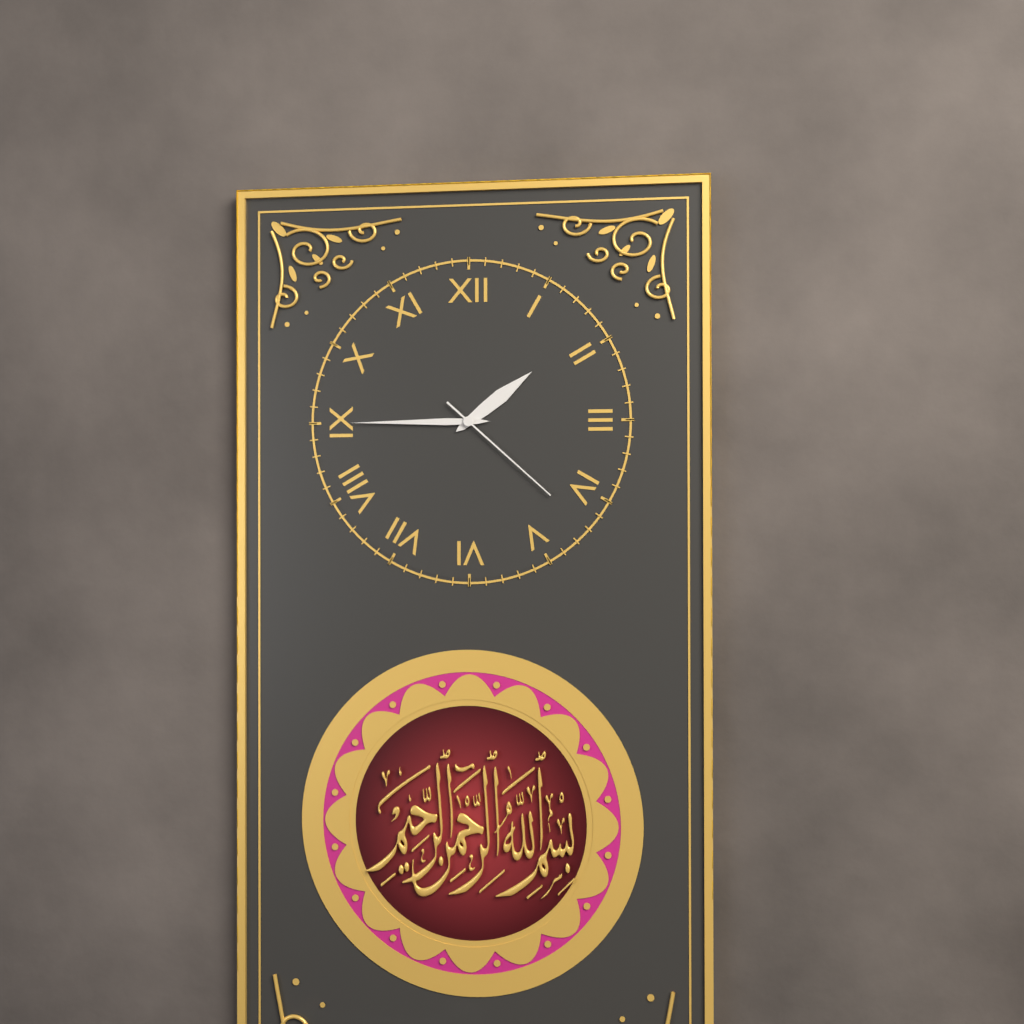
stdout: 1h45m22s
